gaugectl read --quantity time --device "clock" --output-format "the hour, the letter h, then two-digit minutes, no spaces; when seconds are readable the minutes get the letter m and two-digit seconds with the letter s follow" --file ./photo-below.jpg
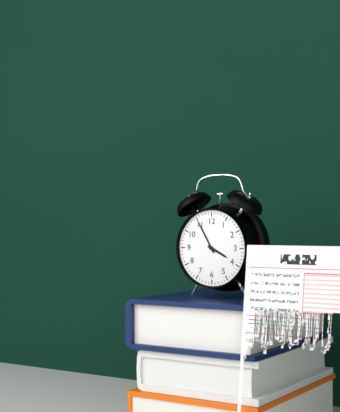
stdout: 3h55
